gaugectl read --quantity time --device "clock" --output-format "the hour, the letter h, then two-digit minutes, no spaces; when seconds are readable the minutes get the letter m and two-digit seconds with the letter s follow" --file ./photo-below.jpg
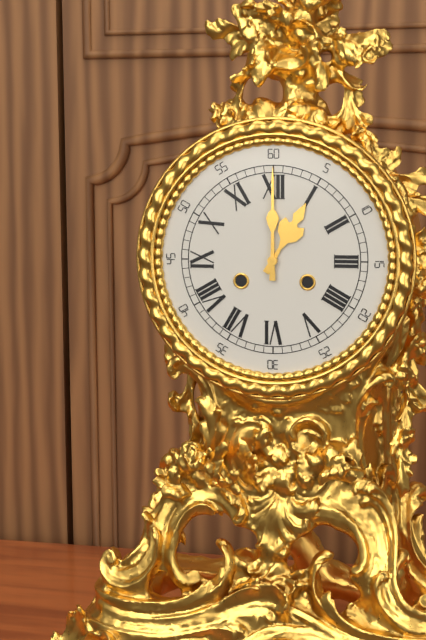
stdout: 1h00
